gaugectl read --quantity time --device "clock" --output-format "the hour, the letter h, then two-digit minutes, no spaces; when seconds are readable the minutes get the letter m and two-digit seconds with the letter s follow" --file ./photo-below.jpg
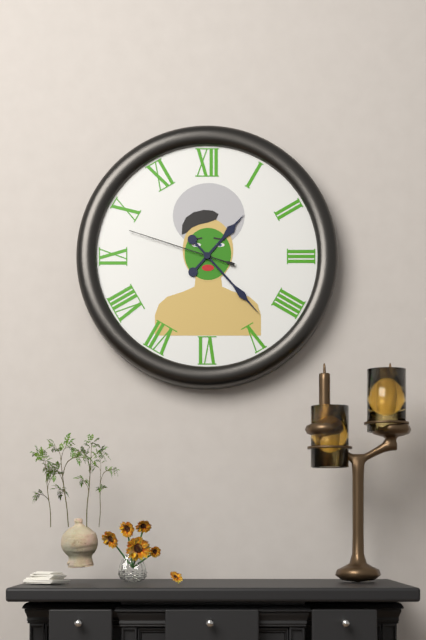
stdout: 1h23m48s
